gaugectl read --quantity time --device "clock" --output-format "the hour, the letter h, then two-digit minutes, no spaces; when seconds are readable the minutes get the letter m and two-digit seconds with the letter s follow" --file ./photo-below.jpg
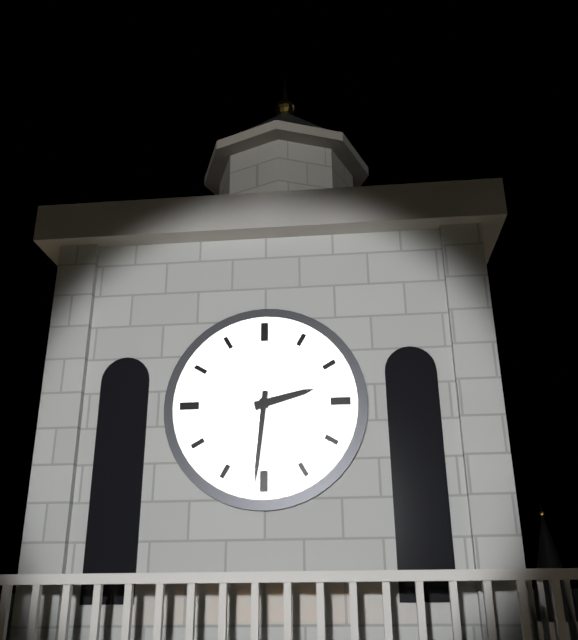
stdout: 2h31
